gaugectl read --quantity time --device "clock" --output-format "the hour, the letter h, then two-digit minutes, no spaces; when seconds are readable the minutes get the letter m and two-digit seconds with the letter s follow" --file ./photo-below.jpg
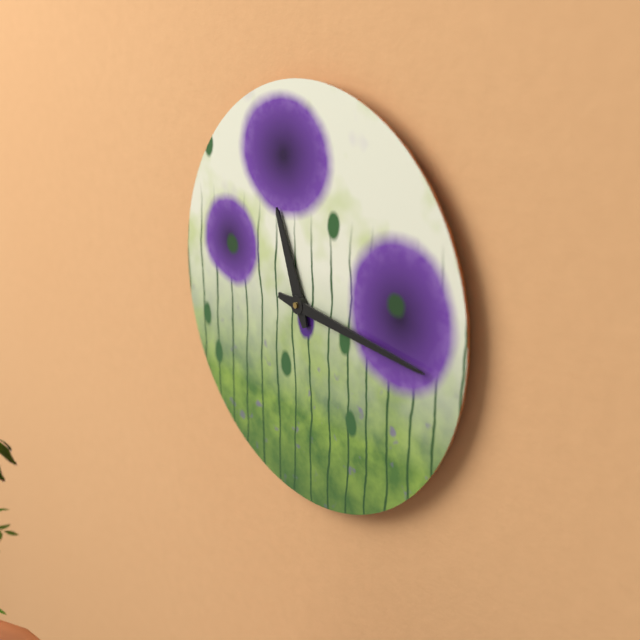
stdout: 11h16
